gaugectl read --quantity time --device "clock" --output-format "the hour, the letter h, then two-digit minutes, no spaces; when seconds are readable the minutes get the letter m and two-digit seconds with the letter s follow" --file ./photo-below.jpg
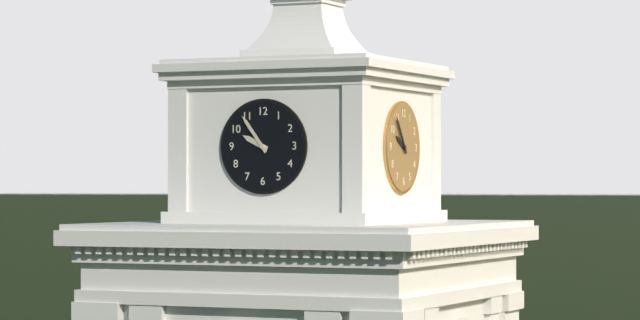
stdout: 9h54
